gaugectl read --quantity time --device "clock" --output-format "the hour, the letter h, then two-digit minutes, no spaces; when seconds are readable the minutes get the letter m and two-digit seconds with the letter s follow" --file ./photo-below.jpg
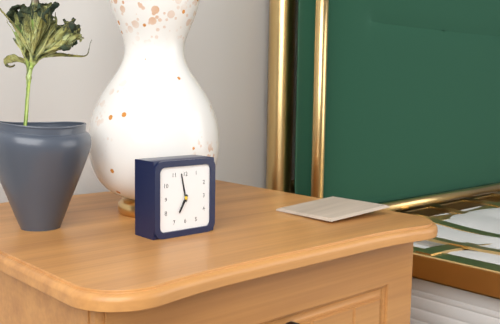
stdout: 6h58
